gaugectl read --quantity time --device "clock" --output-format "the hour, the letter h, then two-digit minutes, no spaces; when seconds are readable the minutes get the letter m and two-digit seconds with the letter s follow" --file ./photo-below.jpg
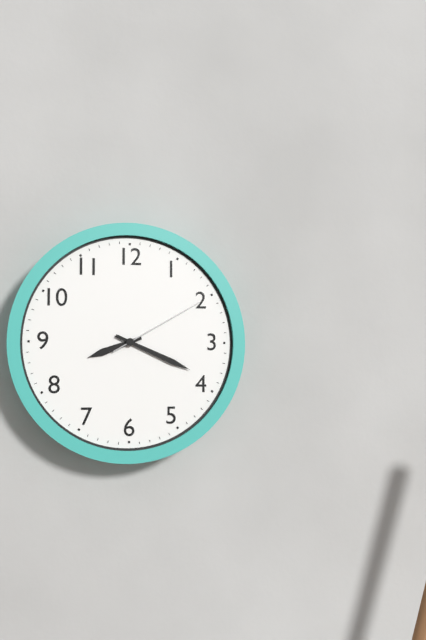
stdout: 8h19m10s
